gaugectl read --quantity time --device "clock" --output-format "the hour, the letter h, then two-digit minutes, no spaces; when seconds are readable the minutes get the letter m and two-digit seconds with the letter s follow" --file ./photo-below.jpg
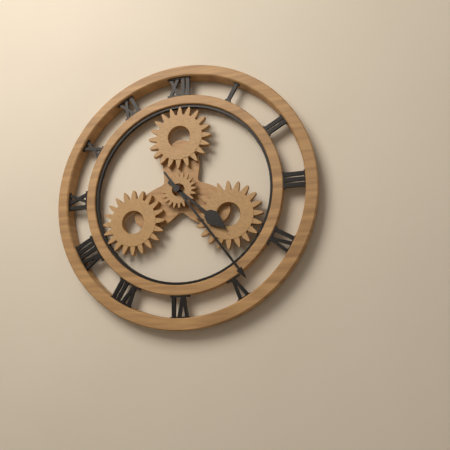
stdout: 4h24
